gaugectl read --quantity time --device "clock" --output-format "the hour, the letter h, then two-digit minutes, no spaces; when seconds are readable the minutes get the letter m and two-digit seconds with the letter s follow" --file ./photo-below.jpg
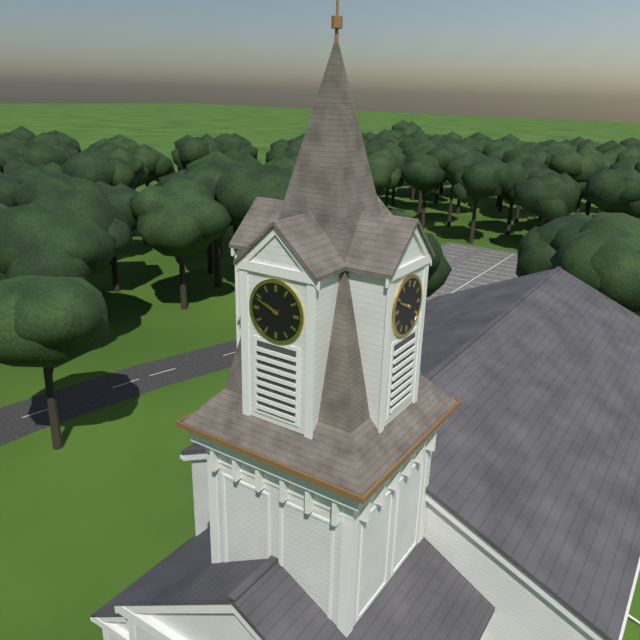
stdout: 9h49
